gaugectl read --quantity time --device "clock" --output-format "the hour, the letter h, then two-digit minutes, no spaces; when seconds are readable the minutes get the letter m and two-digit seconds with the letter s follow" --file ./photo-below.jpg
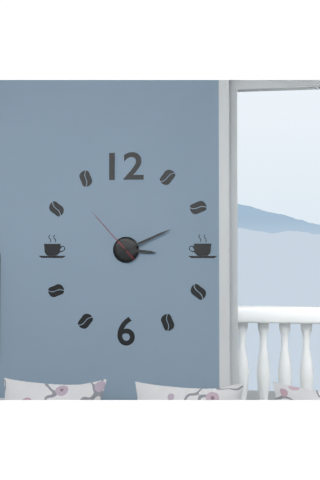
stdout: 3h11m53s
